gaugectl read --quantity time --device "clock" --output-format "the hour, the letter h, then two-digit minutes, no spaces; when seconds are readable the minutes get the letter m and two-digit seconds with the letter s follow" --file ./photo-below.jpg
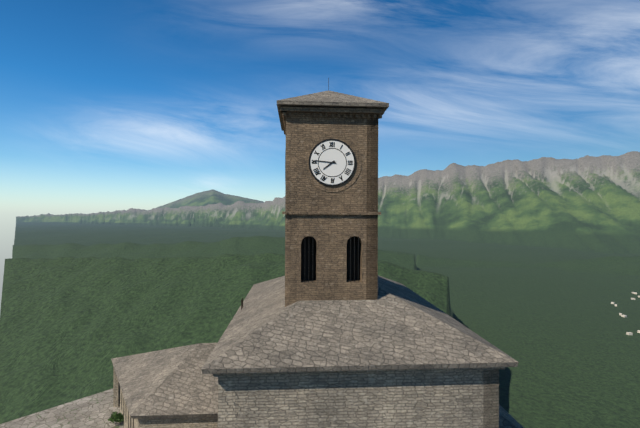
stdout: 7h46
